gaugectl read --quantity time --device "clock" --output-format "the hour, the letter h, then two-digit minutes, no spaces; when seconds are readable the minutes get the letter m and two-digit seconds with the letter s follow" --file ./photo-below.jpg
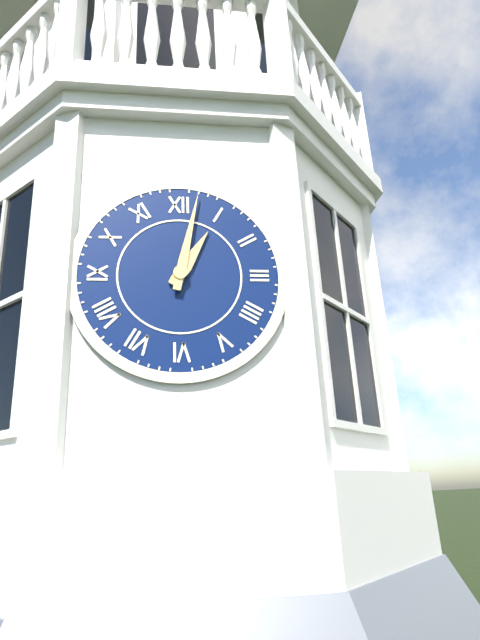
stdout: 1h02
